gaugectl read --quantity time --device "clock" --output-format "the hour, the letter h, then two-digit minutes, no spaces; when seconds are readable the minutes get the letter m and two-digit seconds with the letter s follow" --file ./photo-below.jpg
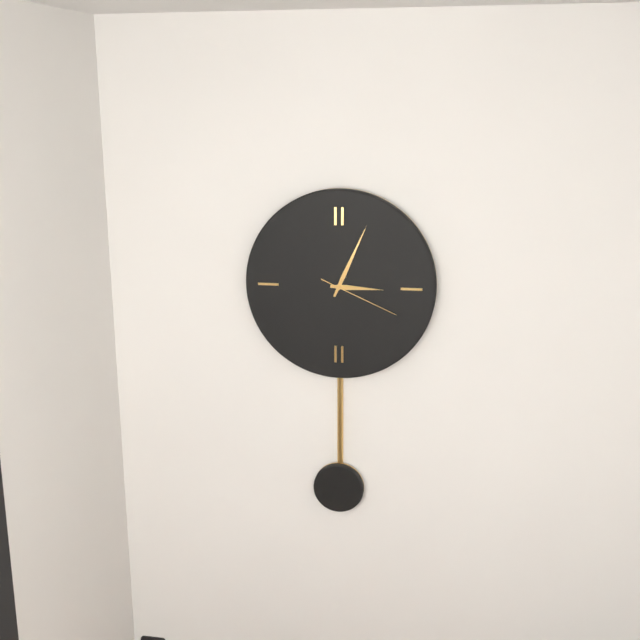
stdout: 3h04m19s
